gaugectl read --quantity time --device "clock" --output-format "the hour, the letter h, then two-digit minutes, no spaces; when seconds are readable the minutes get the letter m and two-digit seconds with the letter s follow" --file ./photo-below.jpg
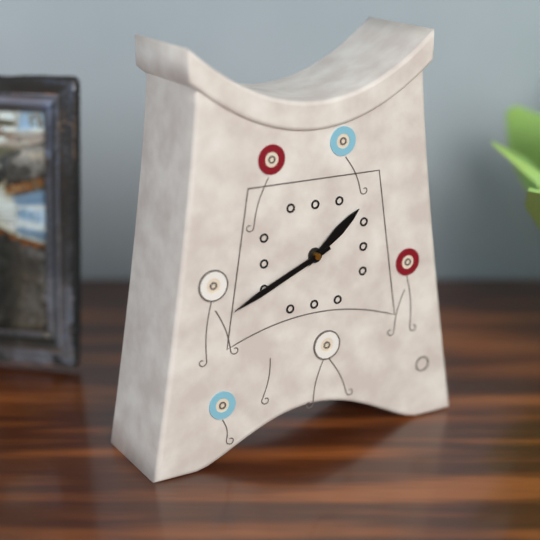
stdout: 1h41
